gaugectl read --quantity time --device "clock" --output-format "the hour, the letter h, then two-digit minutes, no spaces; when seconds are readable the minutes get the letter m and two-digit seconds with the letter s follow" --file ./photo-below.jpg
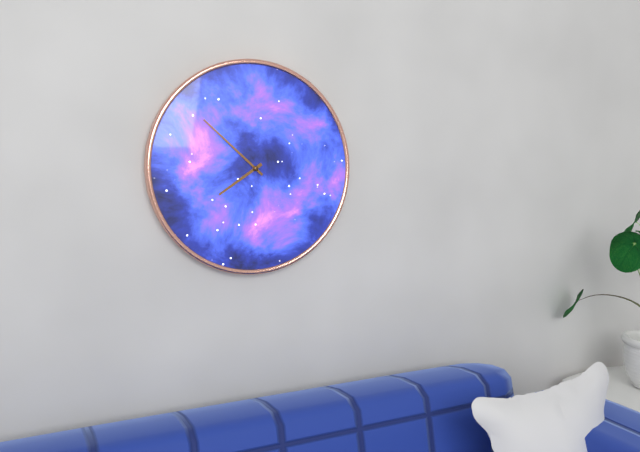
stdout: 7h52
